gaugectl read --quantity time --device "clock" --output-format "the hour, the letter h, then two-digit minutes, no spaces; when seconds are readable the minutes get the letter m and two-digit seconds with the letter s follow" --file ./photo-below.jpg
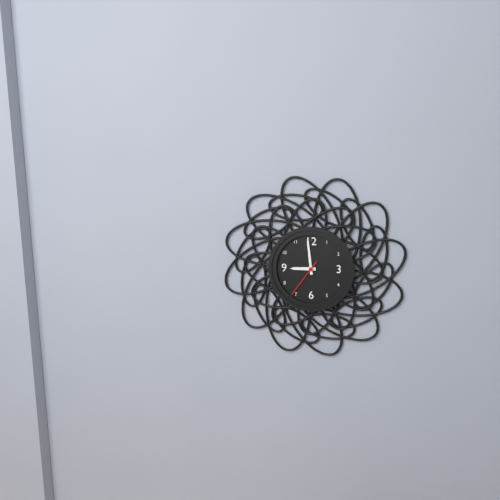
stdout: 8h59
